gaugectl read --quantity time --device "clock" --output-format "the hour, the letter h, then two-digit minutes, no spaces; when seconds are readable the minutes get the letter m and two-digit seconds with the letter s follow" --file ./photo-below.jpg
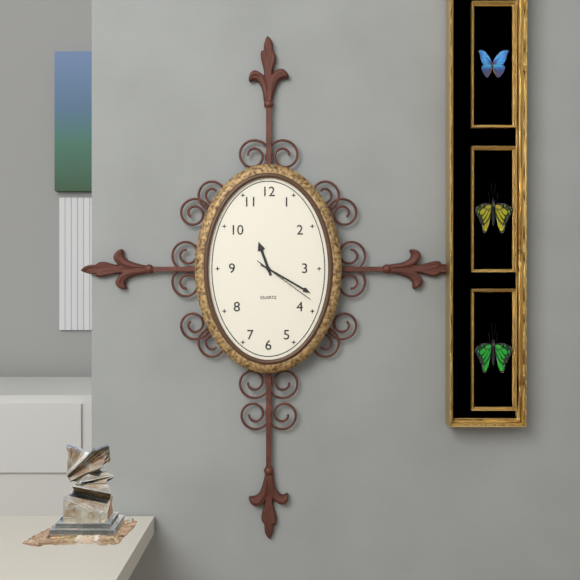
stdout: 11h20m21s
